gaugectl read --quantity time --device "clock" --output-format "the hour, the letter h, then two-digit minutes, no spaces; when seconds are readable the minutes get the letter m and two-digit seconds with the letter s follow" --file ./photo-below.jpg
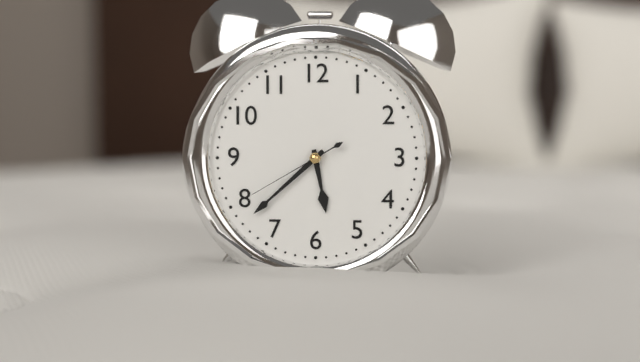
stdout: 5h38m40s
